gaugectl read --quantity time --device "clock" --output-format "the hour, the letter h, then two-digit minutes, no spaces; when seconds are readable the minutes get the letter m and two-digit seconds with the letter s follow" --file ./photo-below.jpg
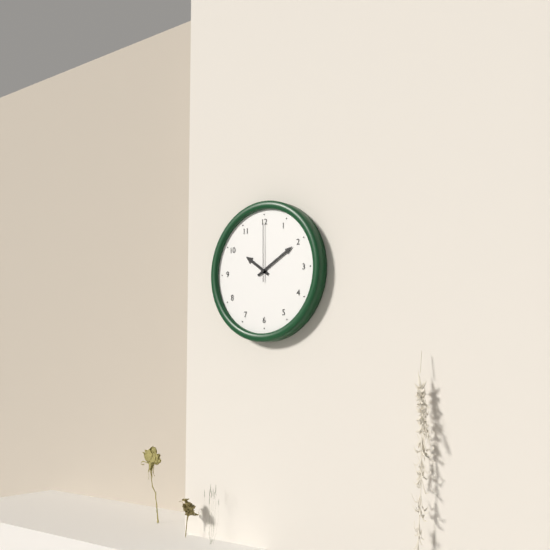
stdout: 10h10m00s
